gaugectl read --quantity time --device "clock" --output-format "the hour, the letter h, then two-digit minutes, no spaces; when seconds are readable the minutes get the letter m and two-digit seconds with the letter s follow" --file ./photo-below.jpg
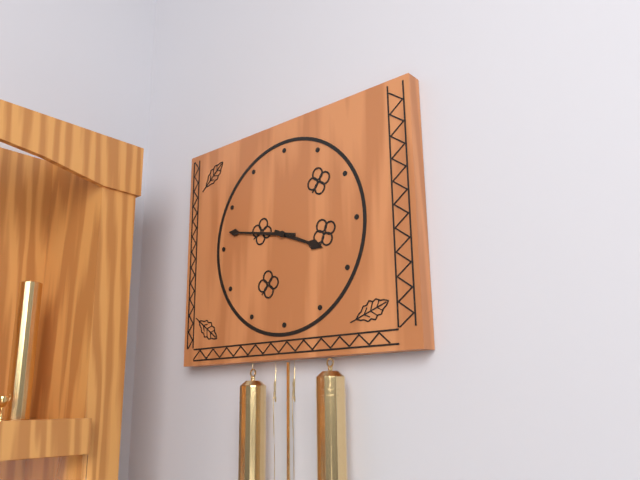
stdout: 3h47
